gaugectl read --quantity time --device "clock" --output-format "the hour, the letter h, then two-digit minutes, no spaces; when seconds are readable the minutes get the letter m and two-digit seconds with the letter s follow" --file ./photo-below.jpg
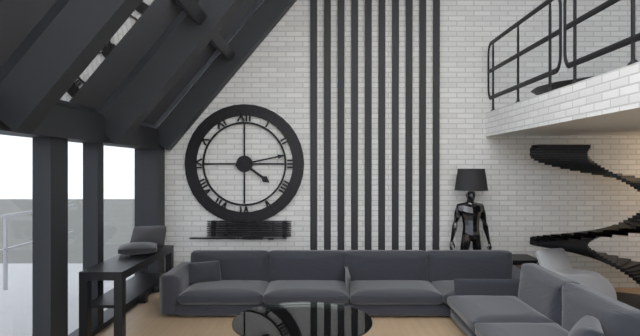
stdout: 4h13
